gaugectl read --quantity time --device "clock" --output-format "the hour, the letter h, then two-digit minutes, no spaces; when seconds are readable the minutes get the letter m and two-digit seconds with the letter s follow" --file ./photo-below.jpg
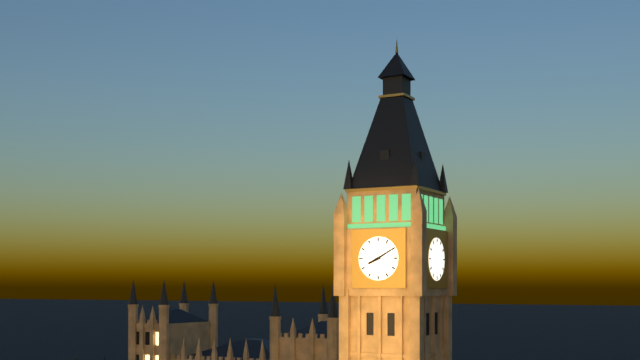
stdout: 8h10
